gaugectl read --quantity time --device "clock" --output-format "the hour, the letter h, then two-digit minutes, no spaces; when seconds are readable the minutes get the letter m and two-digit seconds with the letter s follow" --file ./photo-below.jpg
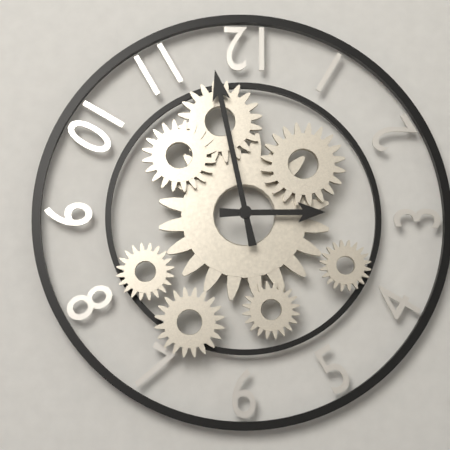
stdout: 2h58
